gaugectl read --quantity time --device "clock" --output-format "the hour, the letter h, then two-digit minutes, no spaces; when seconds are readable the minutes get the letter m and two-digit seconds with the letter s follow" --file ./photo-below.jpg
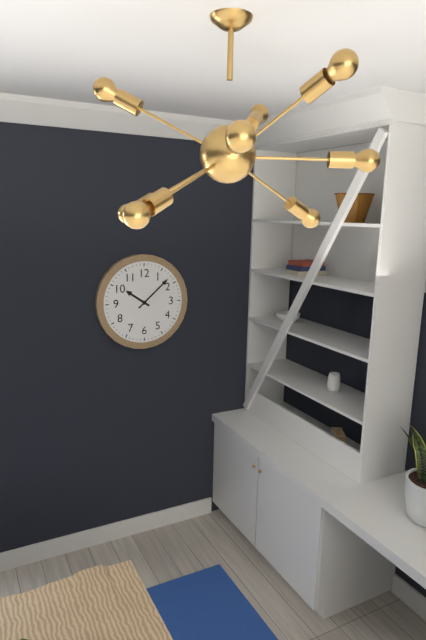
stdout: 10h08
